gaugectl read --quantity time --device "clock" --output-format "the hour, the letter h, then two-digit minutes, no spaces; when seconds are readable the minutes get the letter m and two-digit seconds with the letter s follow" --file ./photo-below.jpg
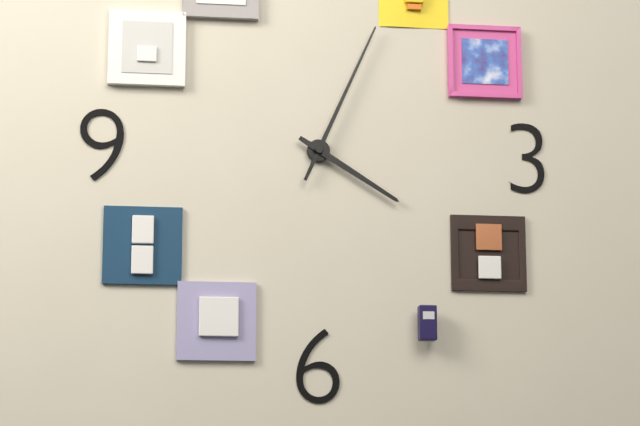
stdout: 4h04
